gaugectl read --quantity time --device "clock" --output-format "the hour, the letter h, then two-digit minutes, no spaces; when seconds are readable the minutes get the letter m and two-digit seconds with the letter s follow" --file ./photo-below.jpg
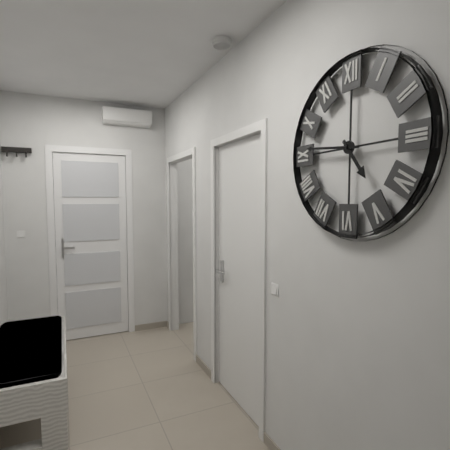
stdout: 4h46
